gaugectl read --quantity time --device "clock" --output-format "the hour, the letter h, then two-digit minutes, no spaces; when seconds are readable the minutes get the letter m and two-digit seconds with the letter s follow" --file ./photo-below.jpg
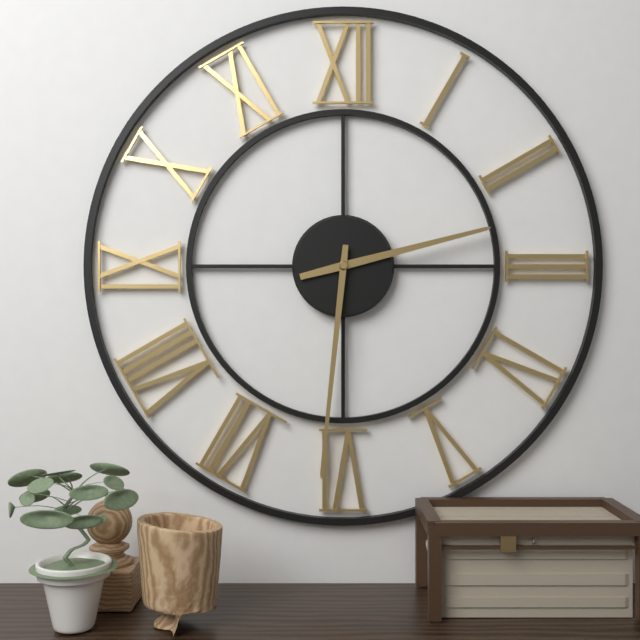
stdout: 2h31
